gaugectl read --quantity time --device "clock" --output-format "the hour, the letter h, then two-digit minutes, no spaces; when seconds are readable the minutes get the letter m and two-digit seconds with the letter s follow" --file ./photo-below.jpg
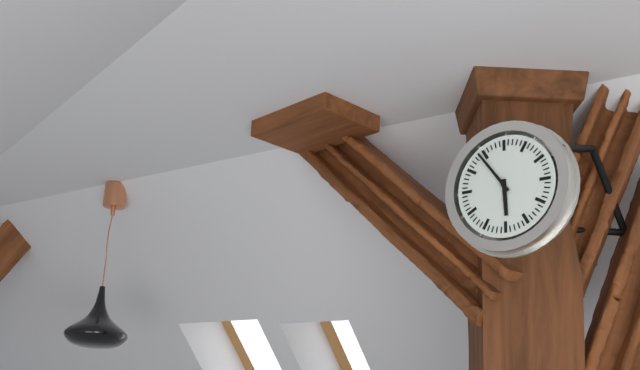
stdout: 5h54
